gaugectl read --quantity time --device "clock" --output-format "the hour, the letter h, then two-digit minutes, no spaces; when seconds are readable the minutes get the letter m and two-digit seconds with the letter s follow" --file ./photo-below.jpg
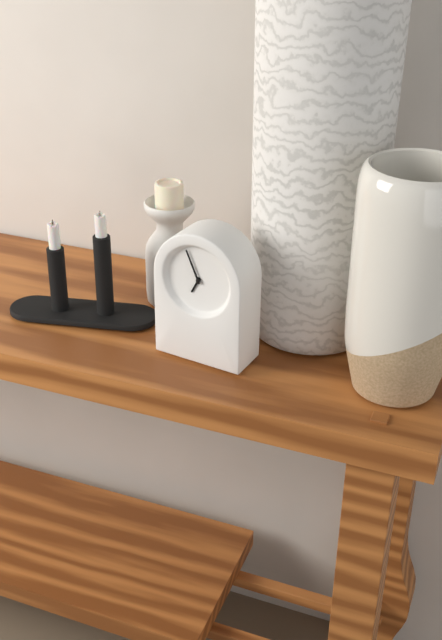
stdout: 6h56
